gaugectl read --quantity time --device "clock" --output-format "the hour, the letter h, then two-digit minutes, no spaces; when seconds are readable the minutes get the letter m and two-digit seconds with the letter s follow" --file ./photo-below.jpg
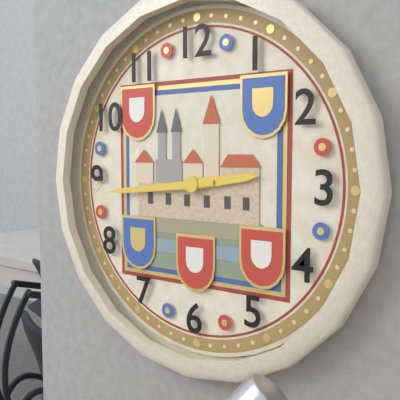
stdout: 2h44
